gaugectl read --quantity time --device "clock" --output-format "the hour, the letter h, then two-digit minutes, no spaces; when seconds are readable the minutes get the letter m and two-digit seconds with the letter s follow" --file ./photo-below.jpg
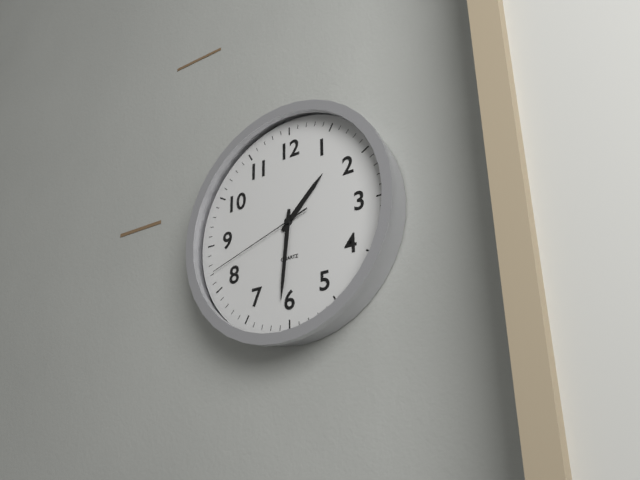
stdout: 1h31m42s
